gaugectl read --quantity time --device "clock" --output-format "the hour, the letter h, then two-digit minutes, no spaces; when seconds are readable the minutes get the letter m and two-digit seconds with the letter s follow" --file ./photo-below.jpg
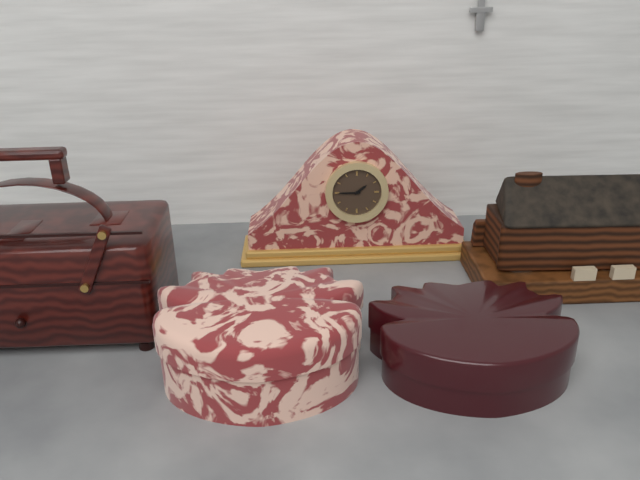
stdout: 1h45
